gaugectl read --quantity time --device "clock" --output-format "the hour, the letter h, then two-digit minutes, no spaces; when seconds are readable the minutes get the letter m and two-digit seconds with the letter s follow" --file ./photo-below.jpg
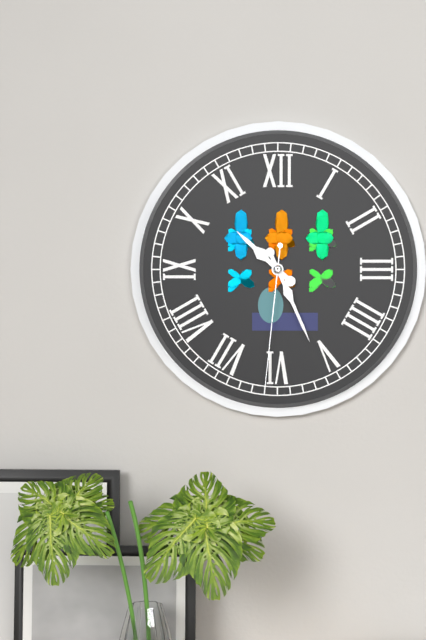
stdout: 10h26m31s
